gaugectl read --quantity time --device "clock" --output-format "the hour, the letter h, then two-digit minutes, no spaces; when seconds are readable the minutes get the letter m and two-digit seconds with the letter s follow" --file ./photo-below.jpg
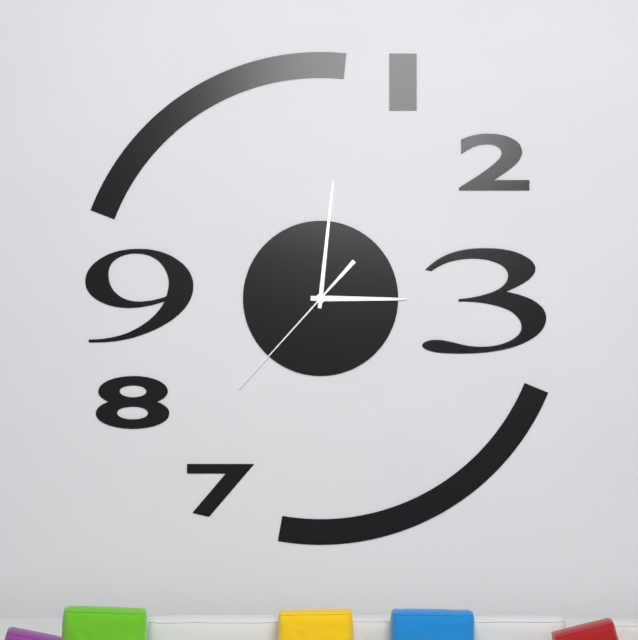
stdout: 3h01m37s
